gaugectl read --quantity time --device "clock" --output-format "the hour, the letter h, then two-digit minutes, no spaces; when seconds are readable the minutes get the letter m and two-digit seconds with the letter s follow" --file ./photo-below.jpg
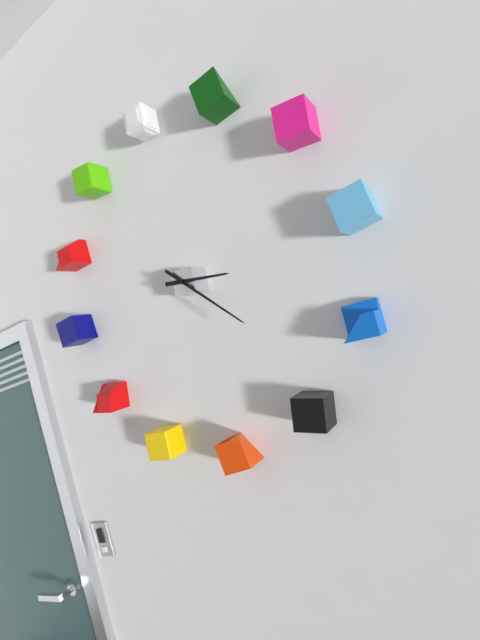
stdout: 3h23
